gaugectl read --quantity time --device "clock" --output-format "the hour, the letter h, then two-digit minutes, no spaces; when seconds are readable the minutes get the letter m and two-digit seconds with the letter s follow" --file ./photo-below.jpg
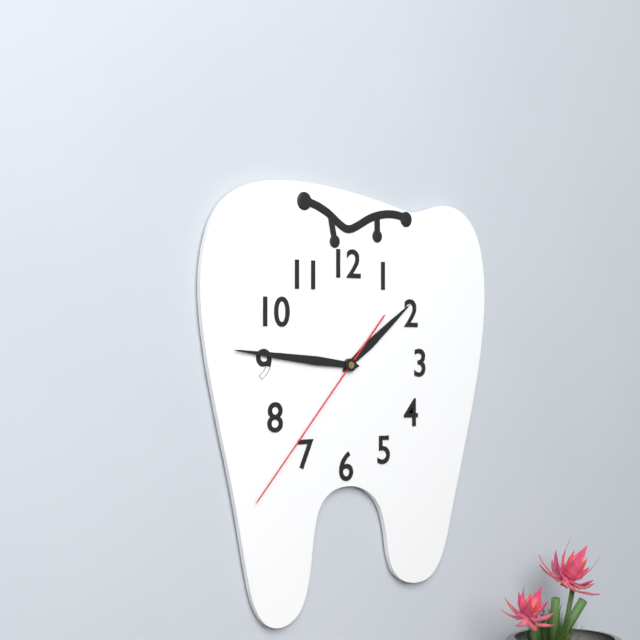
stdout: 1h46m37s
